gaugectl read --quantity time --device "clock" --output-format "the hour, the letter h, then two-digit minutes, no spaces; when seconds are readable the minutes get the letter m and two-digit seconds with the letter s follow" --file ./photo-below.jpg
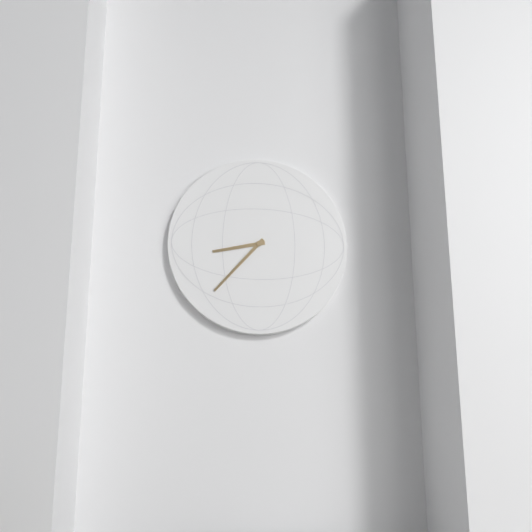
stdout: 8h37
